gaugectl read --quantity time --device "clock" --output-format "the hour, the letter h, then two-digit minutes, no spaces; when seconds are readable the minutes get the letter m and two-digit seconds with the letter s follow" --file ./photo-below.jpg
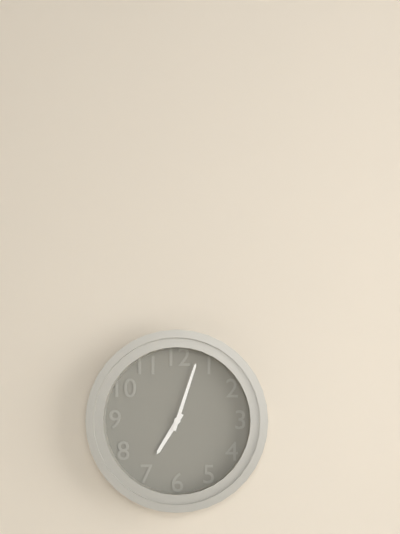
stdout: 7h03
